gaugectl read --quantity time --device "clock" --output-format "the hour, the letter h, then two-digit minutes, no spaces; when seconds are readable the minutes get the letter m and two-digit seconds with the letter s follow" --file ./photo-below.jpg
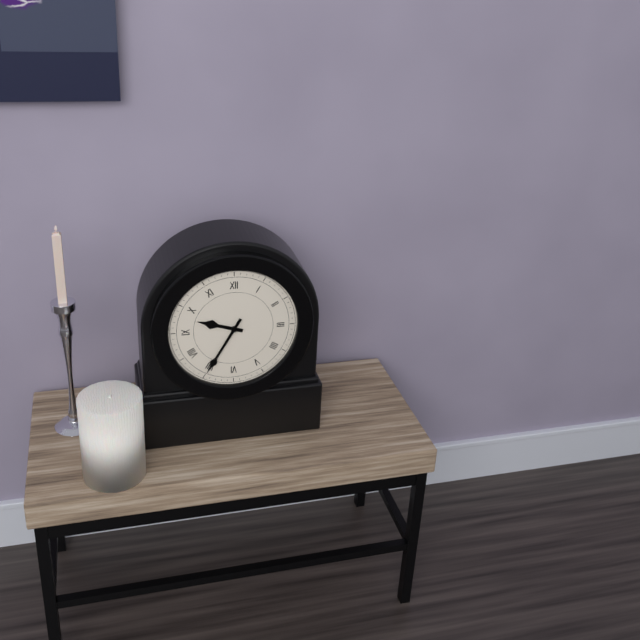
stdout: 9h35
